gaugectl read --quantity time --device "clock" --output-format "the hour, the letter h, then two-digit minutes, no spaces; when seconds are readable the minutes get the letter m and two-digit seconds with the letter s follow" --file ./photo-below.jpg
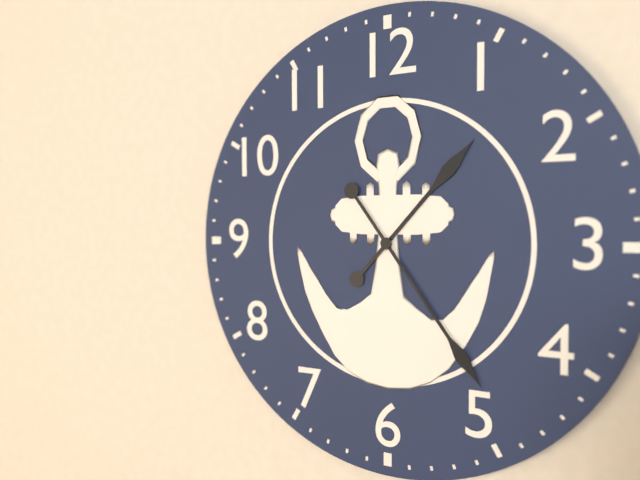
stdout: 1h24
